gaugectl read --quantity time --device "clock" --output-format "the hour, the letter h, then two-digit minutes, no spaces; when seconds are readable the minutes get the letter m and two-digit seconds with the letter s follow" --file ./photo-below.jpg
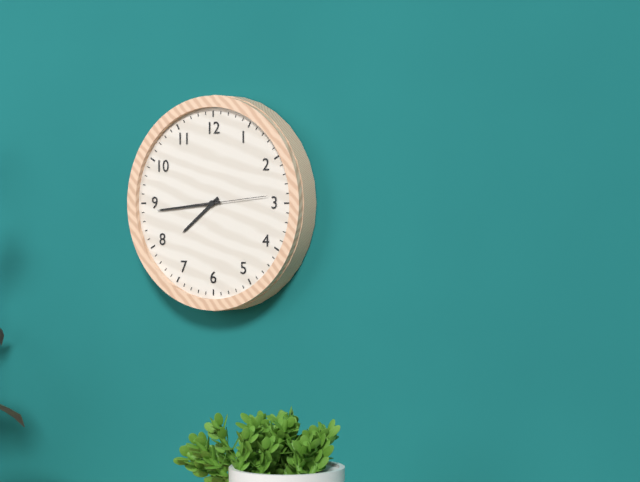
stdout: 7h44m14s
